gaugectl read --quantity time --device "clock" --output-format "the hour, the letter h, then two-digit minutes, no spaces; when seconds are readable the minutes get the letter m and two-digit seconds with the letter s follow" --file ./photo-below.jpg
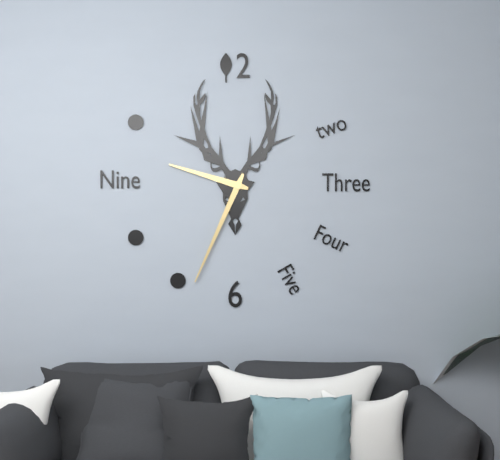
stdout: 9h34
